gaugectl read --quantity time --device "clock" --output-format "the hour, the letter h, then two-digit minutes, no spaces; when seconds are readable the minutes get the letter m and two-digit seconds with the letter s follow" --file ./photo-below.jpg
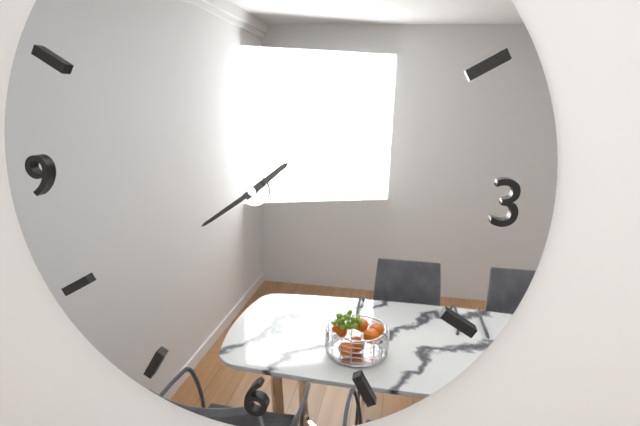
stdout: 1h39
